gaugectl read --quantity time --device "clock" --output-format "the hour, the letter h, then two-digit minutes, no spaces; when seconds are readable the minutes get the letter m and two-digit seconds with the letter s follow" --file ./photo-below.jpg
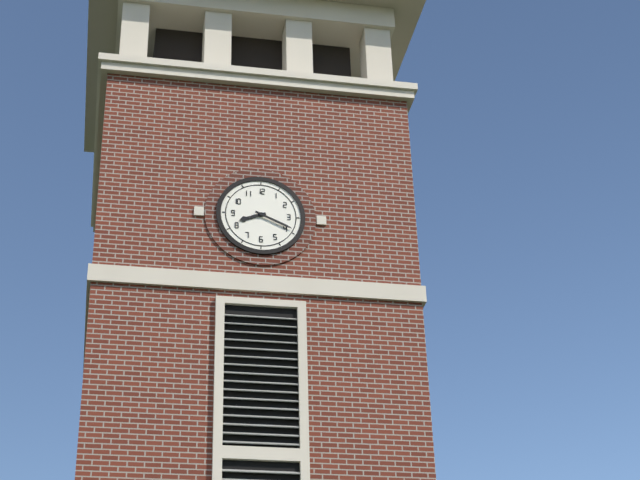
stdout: 8h19
